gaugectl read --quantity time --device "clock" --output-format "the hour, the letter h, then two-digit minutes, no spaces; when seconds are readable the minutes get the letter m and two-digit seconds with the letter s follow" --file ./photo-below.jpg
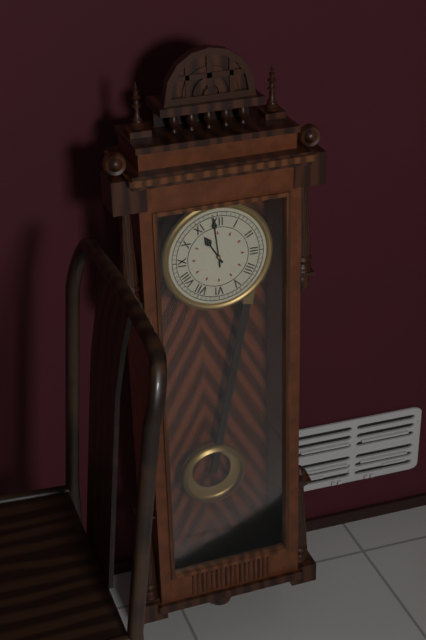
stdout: 10h59
